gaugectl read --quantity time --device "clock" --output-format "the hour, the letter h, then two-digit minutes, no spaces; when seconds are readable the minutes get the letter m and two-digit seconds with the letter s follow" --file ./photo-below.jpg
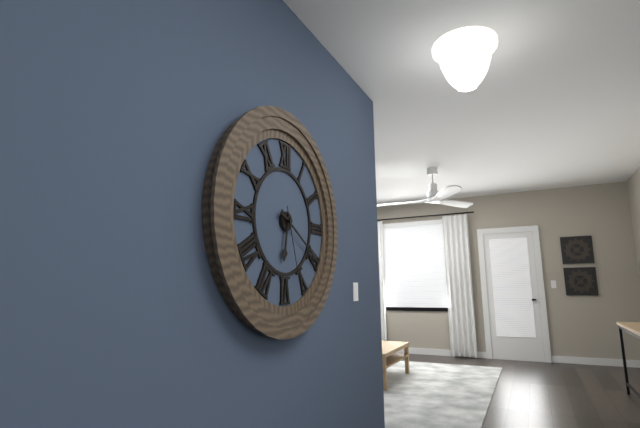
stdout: 6h20m27s
